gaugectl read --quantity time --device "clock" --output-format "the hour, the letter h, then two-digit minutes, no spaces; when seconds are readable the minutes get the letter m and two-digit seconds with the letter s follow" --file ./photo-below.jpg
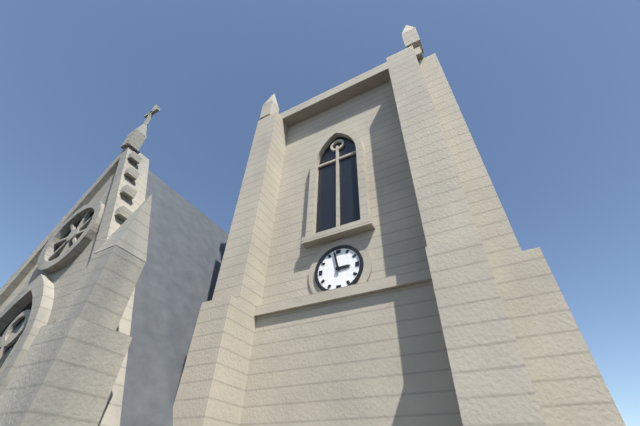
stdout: 2h58
